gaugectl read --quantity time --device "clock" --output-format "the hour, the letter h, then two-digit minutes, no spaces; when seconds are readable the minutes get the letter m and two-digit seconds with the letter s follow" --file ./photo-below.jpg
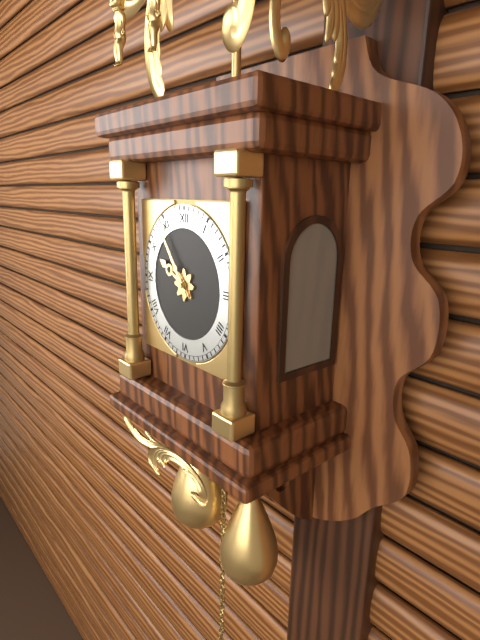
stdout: 9h54
